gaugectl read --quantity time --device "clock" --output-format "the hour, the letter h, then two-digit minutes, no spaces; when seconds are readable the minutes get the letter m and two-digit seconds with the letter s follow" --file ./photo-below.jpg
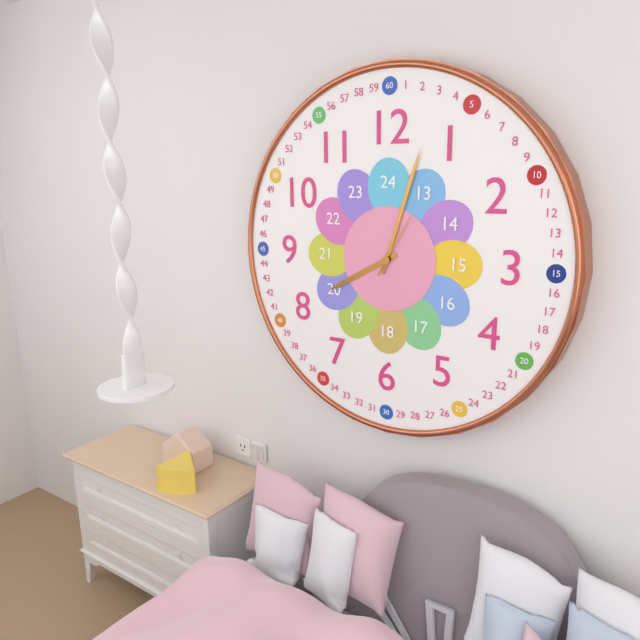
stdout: 8h03m05s
